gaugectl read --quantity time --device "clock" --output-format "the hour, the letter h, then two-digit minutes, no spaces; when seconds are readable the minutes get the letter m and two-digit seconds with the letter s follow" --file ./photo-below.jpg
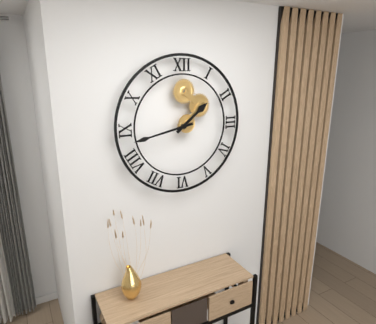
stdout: 1h43
